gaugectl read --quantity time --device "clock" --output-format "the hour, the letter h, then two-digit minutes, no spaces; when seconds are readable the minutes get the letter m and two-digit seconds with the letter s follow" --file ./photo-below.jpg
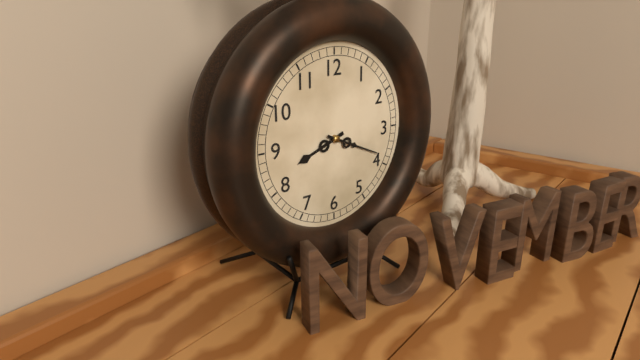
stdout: 8h19
